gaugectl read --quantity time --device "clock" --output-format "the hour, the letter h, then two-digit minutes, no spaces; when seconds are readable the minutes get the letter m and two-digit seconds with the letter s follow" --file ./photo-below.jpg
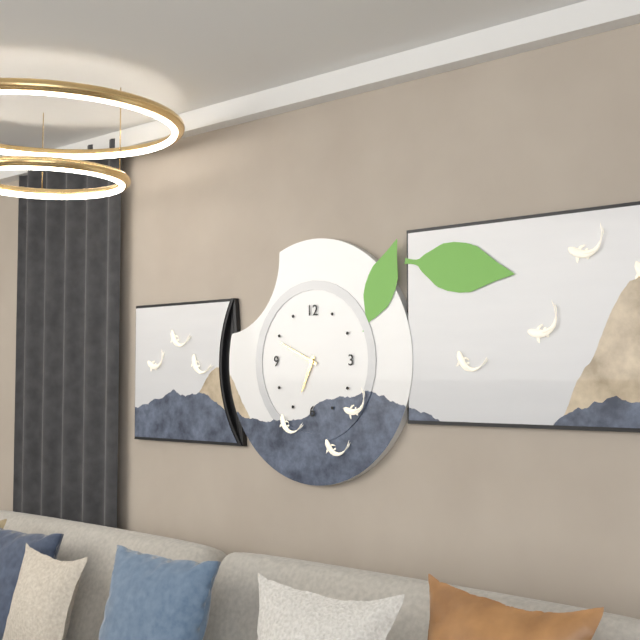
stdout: 6h49
